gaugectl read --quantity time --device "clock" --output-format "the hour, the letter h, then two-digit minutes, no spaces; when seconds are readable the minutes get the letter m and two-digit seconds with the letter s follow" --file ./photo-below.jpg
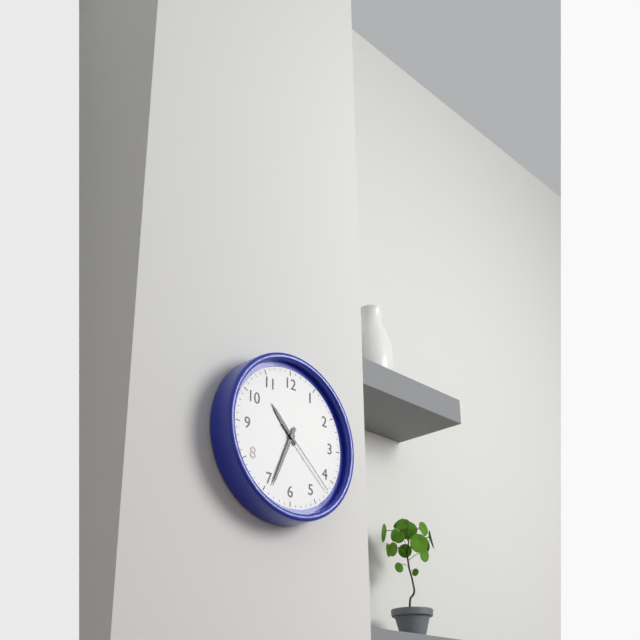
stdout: 10h34m22s
